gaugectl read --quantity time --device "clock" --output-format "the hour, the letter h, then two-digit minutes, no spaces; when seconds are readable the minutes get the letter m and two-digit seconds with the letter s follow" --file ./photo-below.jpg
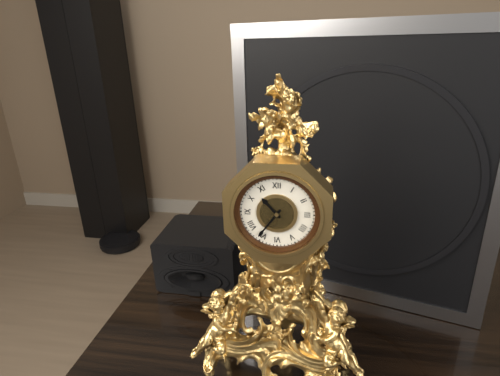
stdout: 10h36
